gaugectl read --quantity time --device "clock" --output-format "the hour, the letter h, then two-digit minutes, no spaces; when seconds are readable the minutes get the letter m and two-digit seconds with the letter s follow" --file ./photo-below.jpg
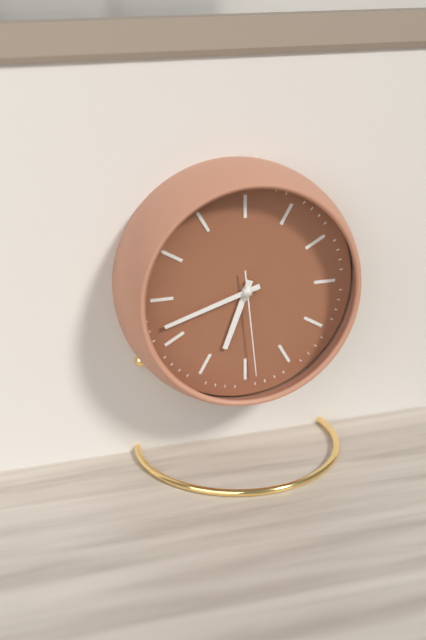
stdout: 6h42m29s
